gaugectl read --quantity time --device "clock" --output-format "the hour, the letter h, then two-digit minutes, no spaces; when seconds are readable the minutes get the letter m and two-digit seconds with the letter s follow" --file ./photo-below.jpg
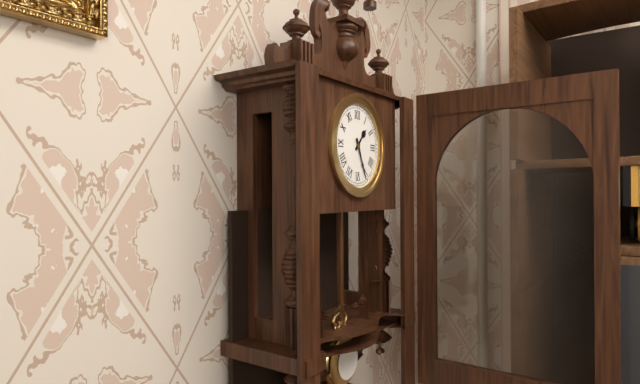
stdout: 1h26
